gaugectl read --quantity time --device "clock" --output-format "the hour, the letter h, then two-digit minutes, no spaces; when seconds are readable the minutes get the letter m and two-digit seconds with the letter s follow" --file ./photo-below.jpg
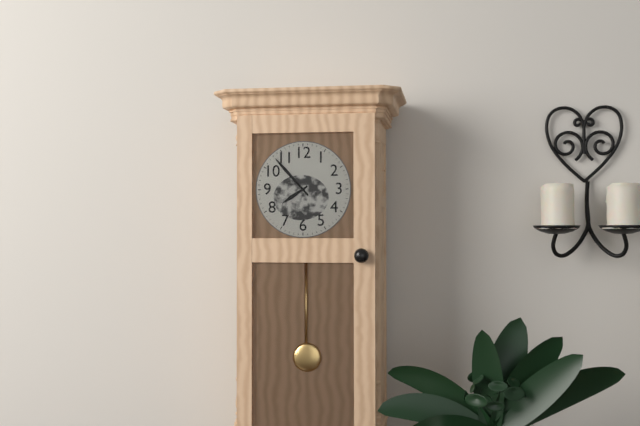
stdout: 7h53
